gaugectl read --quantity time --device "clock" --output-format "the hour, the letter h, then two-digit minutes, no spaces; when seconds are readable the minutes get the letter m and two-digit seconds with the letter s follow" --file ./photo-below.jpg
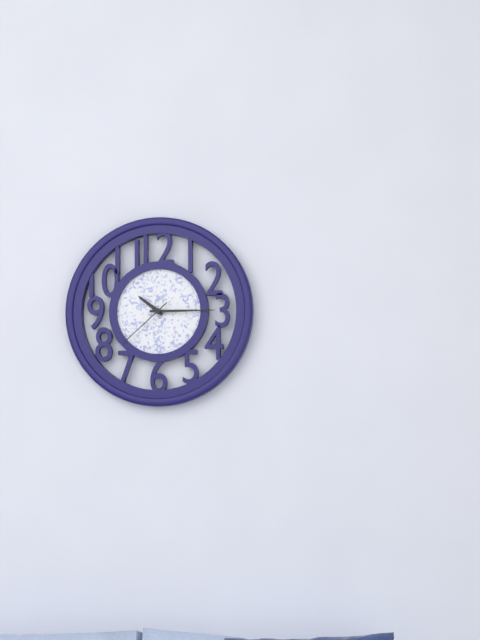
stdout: 10h15m38s
